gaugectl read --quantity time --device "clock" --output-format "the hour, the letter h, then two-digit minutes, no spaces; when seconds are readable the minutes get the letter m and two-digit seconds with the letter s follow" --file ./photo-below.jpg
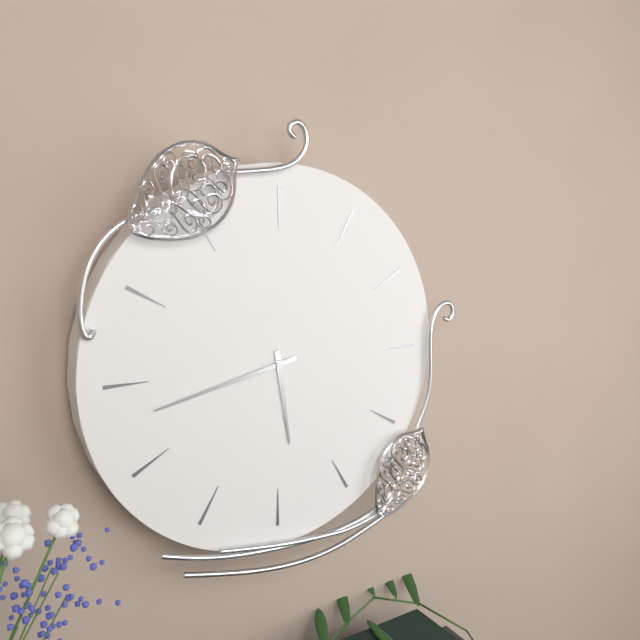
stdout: 5h43
